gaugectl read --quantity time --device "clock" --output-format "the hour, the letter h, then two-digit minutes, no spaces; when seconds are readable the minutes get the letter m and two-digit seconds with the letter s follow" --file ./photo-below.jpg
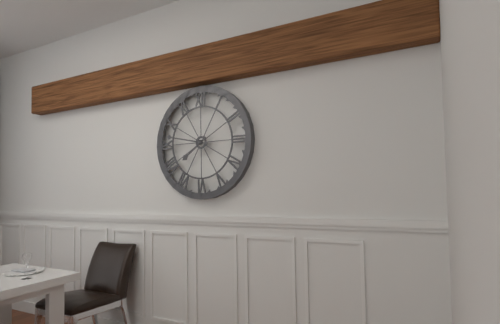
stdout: 7h47
